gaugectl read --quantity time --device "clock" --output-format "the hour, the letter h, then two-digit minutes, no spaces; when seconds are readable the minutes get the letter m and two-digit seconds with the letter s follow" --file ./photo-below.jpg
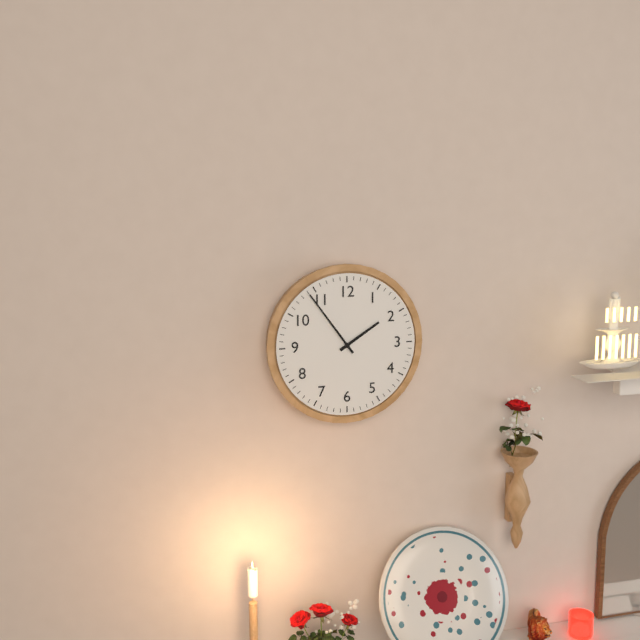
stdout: 1h54
